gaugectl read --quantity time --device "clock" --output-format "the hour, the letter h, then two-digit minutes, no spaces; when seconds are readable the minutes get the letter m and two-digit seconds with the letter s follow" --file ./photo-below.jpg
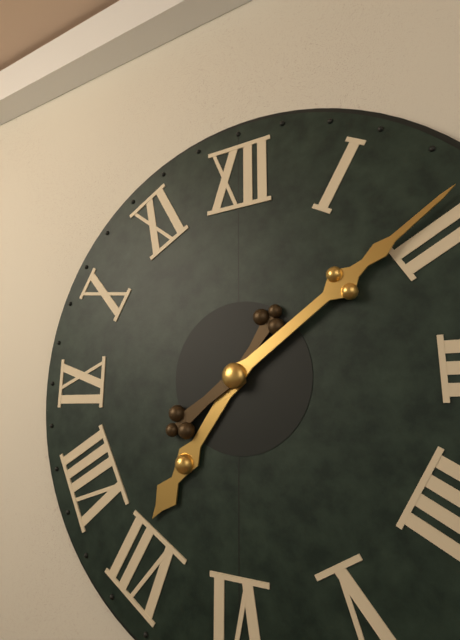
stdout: 7h09
